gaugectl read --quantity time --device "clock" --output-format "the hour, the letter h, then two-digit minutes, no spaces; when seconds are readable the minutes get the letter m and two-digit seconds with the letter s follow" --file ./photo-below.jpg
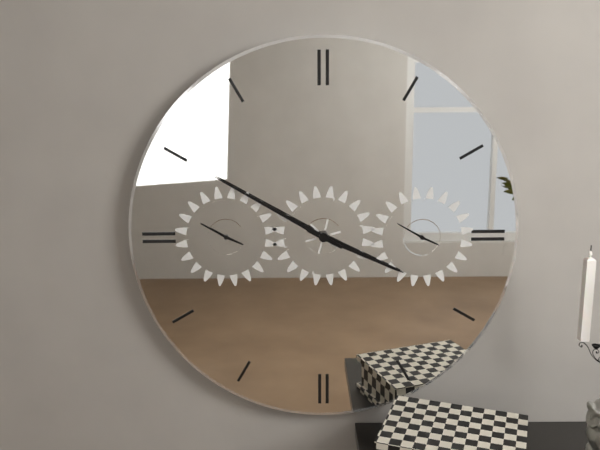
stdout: 3h50
